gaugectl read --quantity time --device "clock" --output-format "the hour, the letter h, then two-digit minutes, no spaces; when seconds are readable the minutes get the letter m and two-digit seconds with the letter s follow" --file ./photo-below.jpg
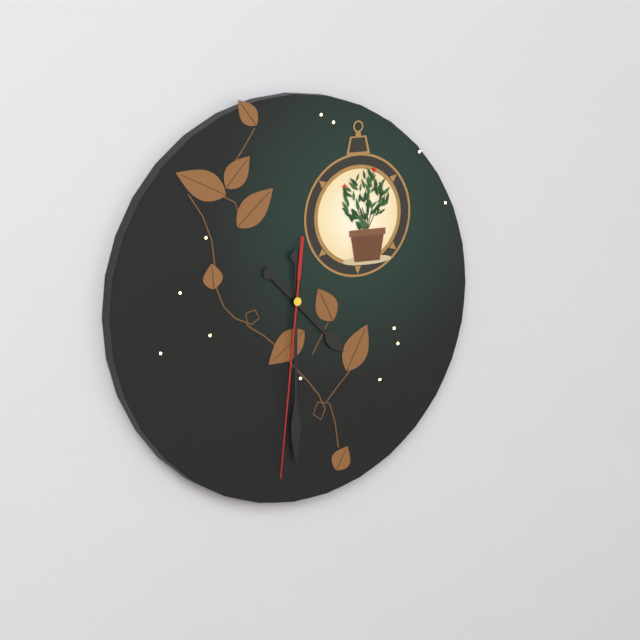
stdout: 4h30m31s
